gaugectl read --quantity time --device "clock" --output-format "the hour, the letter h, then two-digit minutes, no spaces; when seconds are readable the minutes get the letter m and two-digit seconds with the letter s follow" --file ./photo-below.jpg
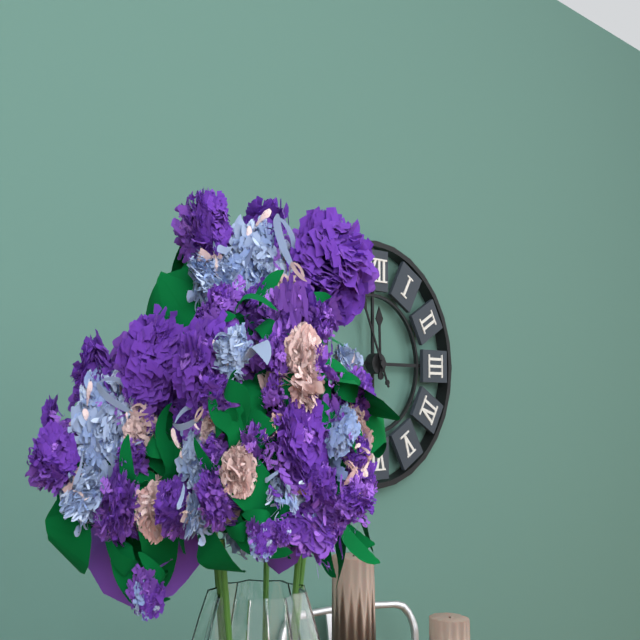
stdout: 11h56
